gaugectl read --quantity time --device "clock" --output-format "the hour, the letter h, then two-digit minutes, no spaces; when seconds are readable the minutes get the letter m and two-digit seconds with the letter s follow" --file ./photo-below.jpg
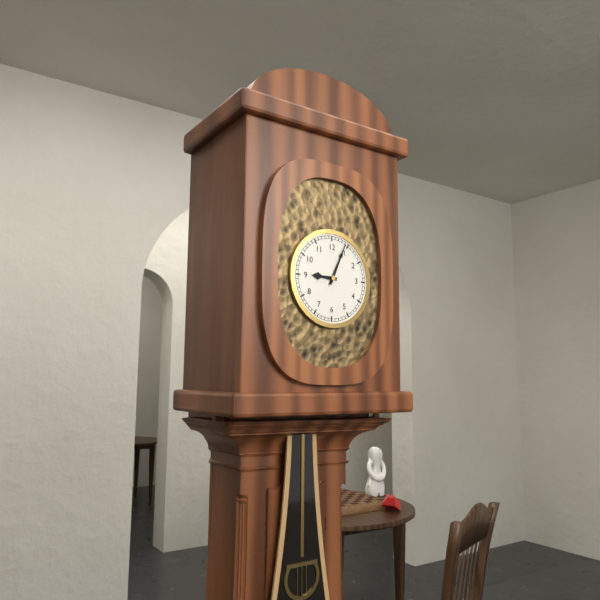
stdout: 9h04
